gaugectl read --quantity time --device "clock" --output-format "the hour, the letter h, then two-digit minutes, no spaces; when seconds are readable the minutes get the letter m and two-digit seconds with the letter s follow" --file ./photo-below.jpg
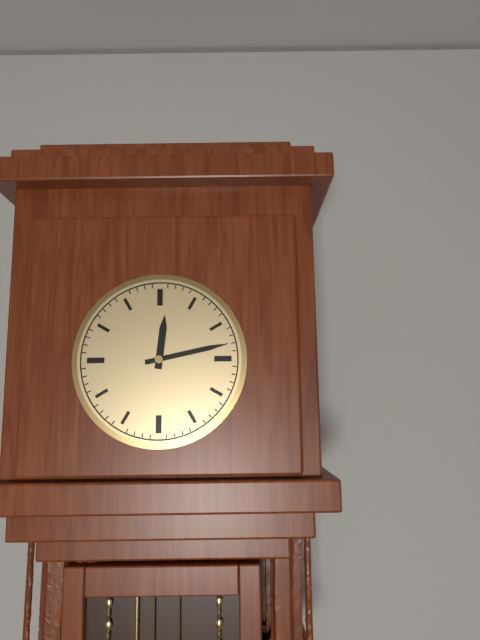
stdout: 12h13
